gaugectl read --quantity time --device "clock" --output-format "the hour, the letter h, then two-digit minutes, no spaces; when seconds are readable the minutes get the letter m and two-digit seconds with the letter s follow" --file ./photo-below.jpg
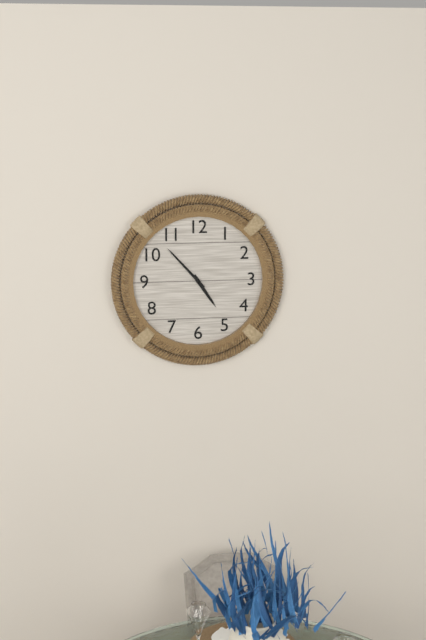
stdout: 4h53
